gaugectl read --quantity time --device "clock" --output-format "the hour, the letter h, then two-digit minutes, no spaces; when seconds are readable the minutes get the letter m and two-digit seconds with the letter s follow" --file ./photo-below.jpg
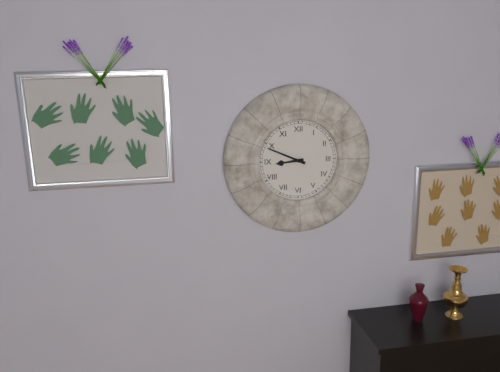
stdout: 8h49
